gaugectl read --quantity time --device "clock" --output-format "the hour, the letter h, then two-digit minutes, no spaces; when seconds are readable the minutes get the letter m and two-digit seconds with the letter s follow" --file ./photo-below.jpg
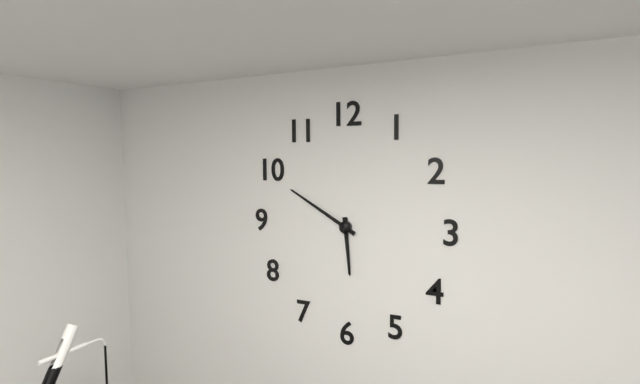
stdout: 5h50
